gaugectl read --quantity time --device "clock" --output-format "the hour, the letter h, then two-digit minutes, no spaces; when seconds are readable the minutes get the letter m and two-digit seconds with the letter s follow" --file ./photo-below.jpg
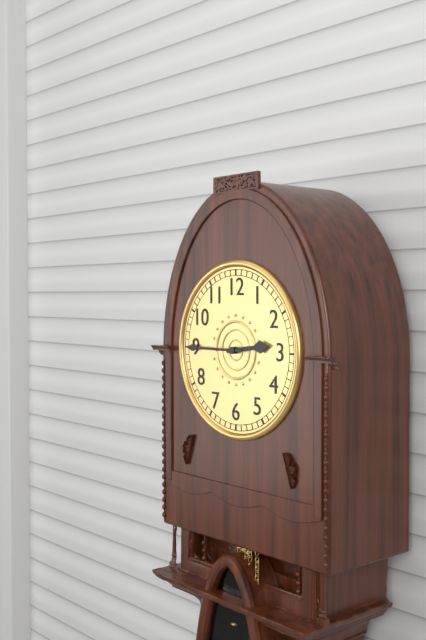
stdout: 2h45
